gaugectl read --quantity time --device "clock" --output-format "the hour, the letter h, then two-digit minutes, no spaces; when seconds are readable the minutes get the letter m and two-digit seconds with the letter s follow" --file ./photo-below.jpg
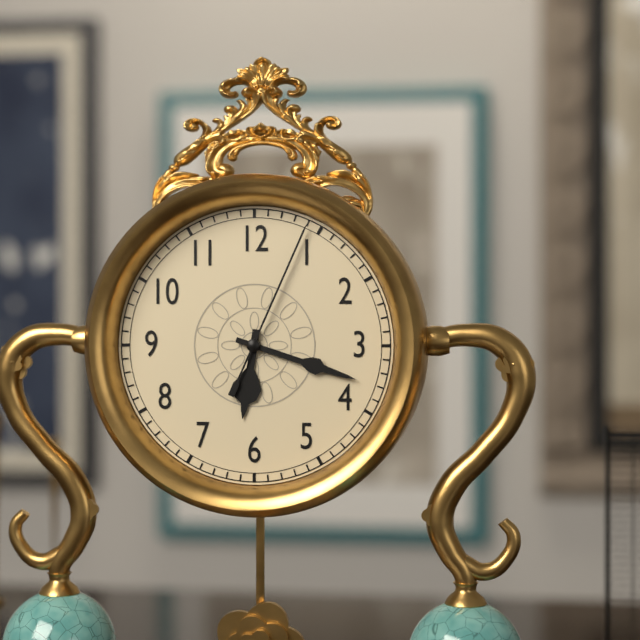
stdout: 6h18m04s
